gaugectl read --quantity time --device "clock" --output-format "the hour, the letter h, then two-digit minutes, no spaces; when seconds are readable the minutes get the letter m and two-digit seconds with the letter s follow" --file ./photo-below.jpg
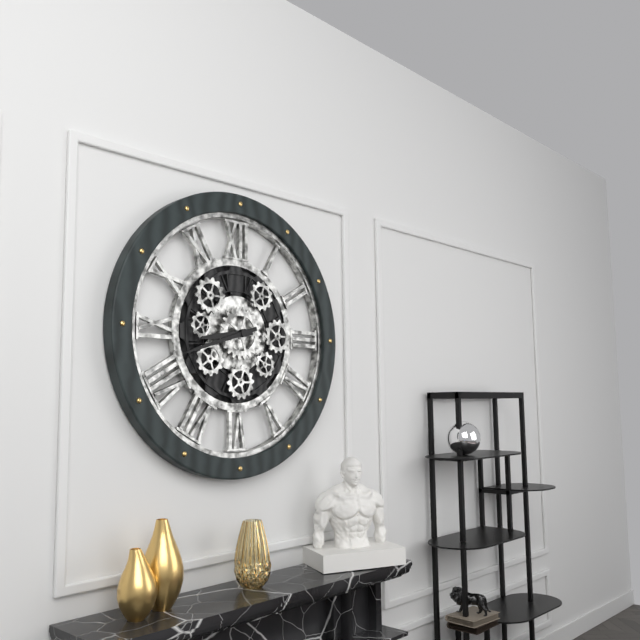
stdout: 8h42
